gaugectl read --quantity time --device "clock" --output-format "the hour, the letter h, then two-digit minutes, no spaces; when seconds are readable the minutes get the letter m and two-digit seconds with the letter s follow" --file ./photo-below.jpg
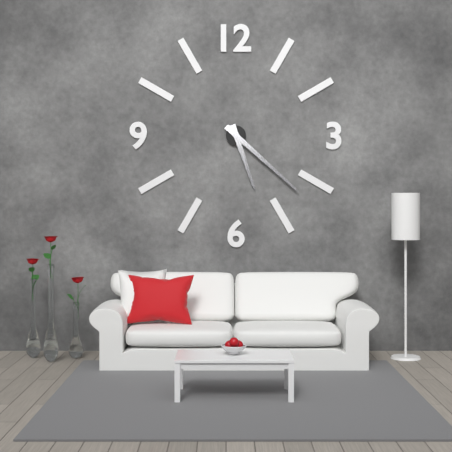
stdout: 5h22
